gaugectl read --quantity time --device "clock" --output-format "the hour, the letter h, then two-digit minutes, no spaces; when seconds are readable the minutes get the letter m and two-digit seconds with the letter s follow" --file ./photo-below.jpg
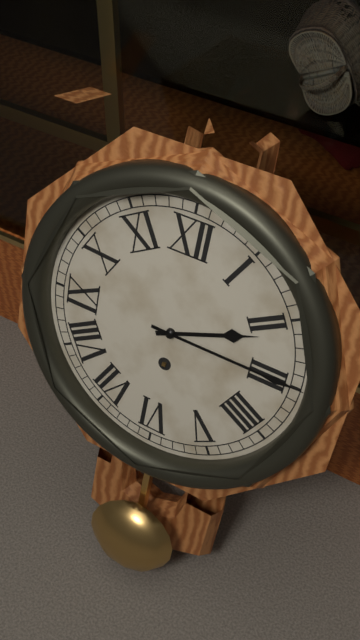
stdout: 2h15
